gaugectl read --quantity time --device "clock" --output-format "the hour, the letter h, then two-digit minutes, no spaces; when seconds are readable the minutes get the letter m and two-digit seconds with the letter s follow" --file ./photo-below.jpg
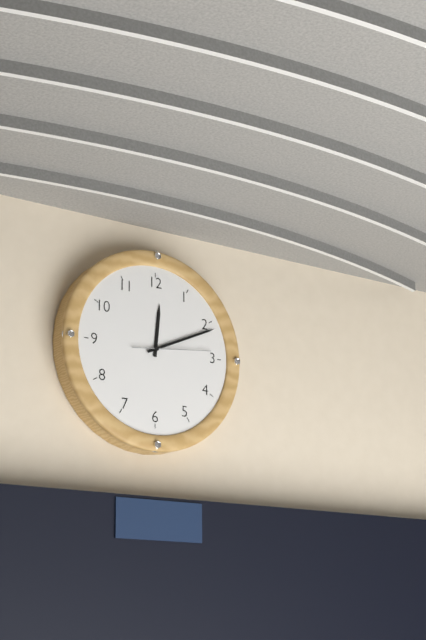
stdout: 12h11m14s
